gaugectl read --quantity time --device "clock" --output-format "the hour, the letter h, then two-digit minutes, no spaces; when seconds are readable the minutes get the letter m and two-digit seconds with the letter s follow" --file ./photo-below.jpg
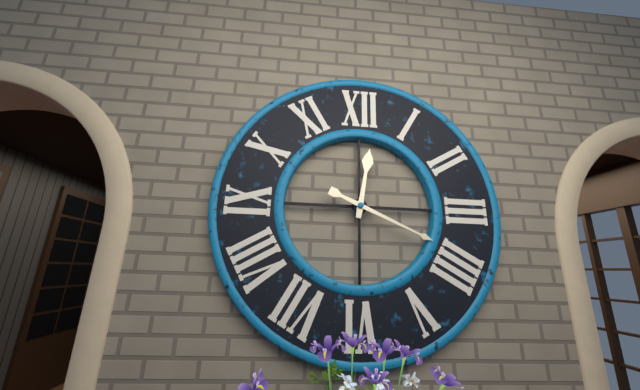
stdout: 12h19
